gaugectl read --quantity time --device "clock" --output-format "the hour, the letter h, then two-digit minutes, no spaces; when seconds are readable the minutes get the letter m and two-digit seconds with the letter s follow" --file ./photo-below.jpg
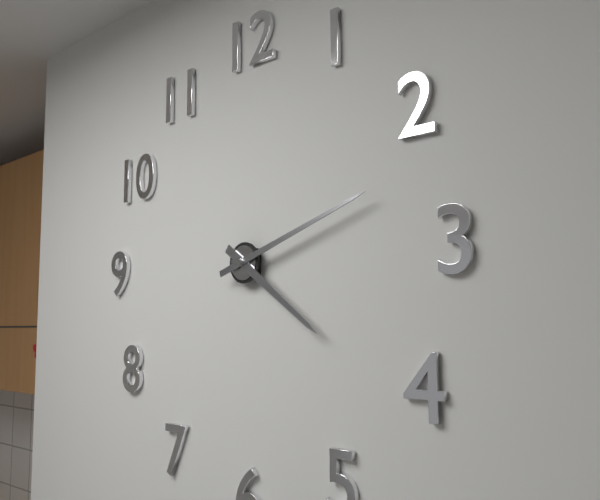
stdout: 4h12
